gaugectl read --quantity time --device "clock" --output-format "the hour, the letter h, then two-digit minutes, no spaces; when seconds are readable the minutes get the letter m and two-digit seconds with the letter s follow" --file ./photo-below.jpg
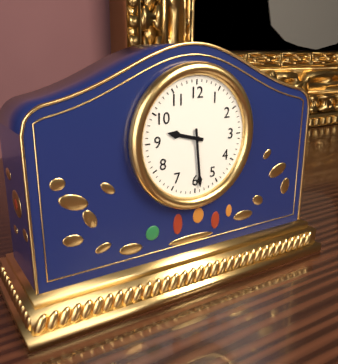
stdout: 9h29
